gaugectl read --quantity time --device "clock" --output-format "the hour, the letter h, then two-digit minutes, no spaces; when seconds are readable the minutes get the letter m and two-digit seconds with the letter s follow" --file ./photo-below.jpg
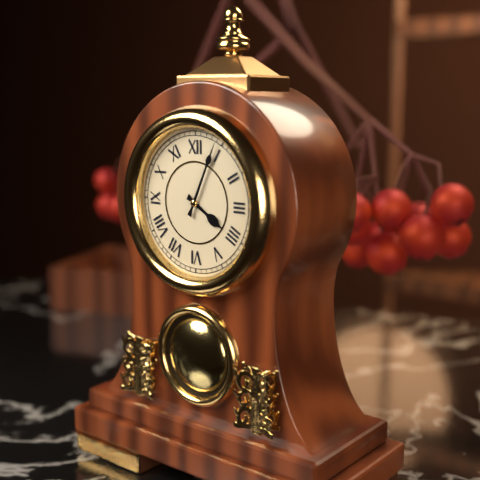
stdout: 4h04
